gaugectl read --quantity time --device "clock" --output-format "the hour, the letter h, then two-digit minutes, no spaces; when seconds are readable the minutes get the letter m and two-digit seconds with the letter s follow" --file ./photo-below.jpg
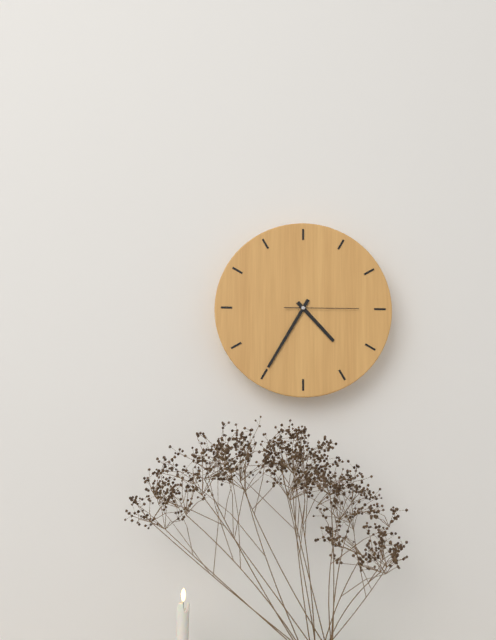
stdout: 4h35m15s
